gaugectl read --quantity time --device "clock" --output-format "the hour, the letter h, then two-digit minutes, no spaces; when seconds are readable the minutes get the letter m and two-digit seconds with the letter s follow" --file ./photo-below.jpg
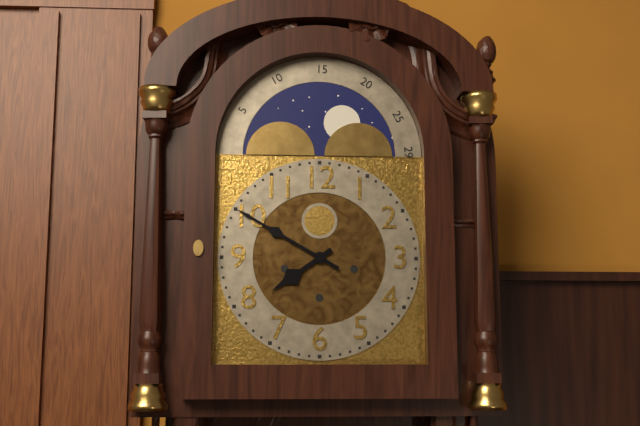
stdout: 7h50
